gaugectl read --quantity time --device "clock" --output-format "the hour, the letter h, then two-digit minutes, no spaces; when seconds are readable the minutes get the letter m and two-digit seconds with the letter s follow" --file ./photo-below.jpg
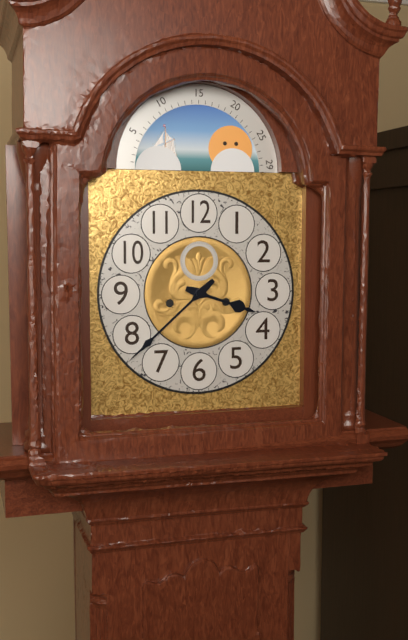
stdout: 3h38
